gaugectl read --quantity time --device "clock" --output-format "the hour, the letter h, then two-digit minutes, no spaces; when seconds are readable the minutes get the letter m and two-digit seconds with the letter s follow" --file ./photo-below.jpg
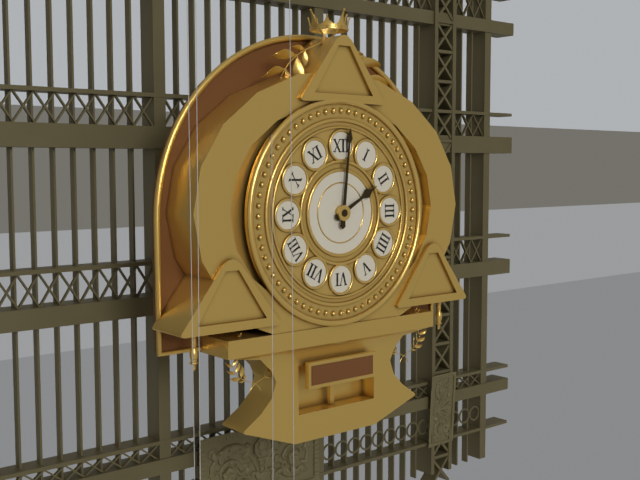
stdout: 2h01
